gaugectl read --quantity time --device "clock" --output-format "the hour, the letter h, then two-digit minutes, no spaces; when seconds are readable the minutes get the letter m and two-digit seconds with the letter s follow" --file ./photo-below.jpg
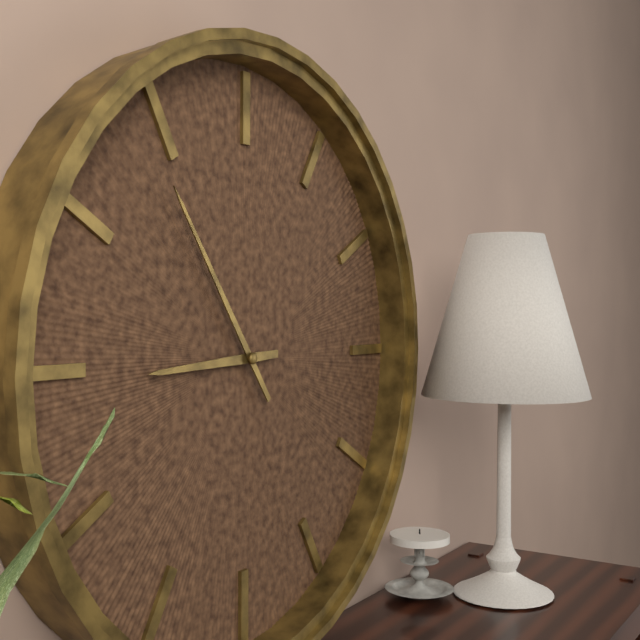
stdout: 8h54
